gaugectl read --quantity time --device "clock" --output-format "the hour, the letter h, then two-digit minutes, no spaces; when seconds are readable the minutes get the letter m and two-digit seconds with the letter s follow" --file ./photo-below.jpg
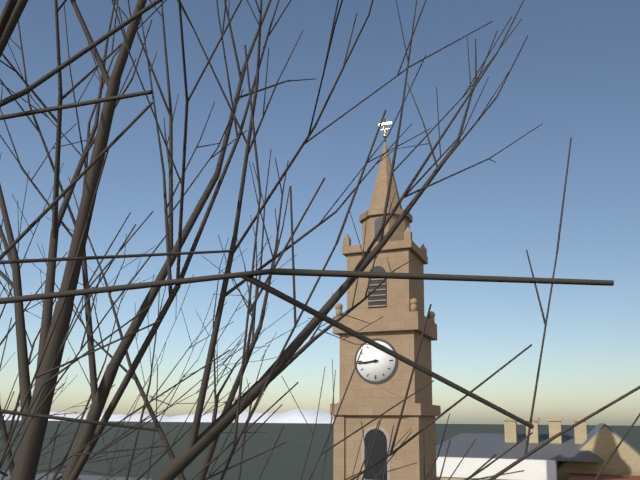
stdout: 8h44
